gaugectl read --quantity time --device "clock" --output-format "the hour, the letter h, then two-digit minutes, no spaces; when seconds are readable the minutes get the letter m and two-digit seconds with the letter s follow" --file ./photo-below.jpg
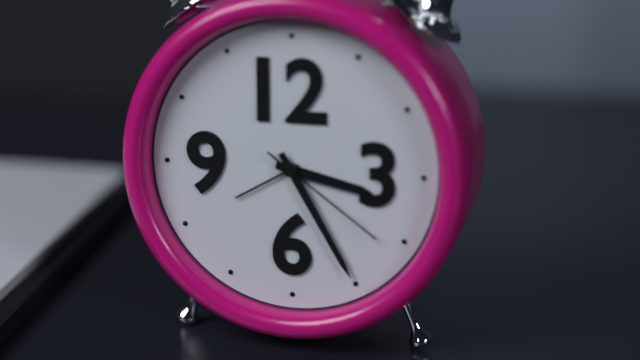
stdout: 3h25m21s
